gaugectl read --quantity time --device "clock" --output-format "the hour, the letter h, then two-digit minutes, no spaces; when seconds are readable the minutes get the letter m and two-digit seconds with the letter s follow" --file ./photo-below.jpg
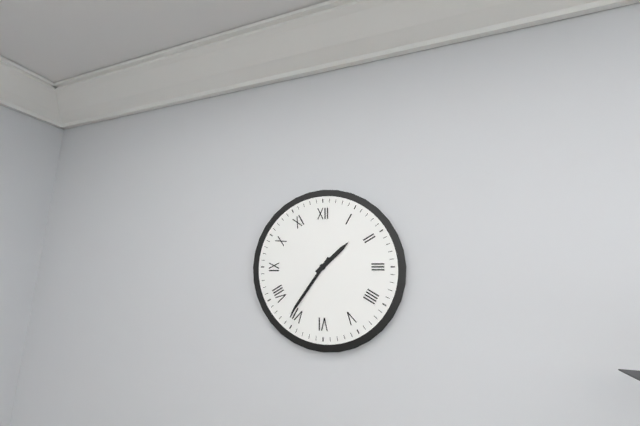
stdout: 1h36
